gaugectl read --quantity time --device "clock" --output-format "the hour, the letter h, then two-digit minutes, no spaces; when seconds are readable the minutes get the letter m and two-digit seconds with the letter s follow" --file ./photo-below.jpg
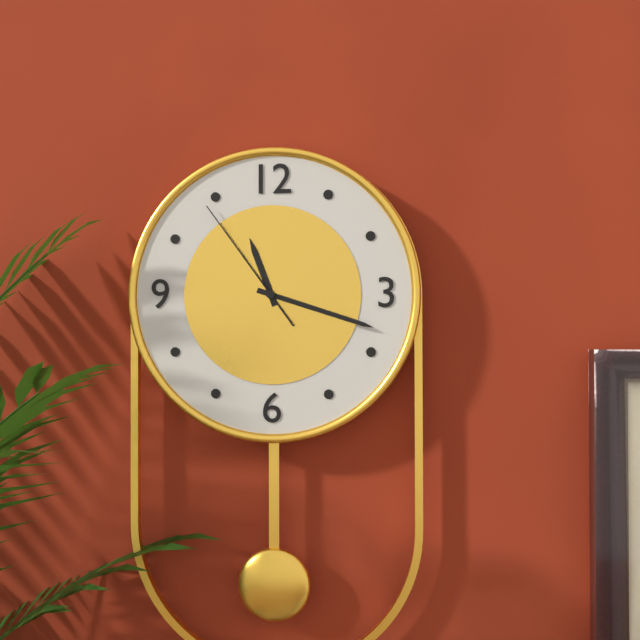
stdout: 11h18m54s
